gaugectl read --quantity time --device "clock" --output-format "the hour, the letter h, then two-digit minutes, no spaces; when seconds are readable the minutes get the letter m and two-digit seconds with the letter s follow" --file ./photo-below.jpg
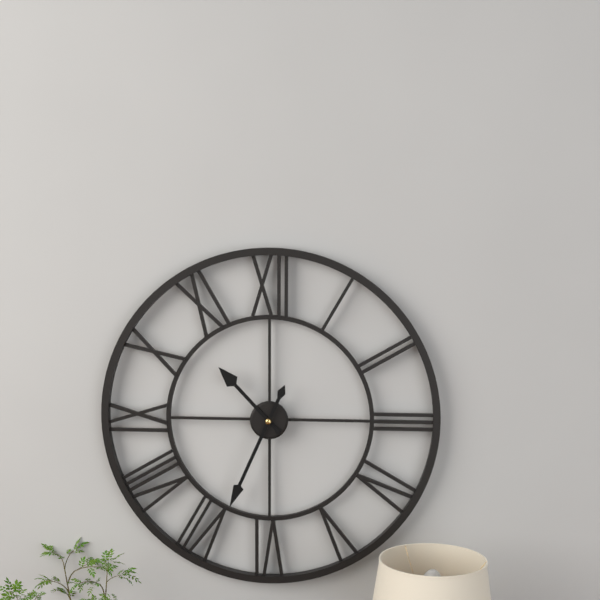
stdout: 10h34
